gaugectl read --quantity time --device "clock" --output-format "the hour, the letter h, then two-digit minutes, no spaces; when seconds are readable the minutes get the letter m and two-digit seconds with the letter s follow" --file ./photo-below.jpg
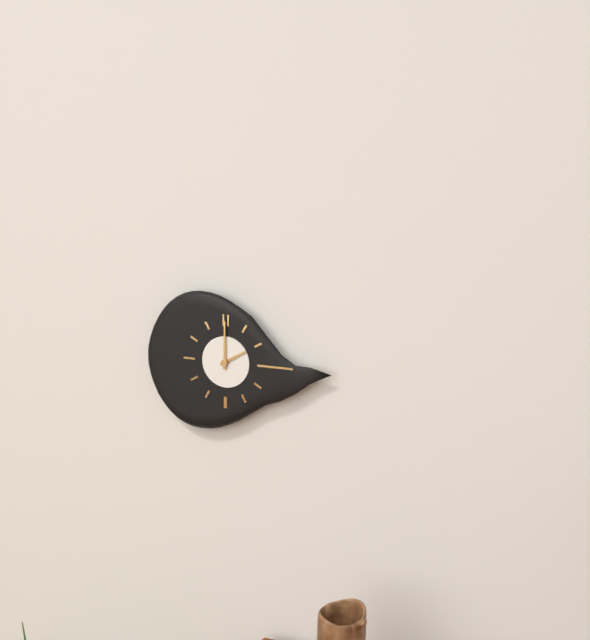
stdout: 2h00
